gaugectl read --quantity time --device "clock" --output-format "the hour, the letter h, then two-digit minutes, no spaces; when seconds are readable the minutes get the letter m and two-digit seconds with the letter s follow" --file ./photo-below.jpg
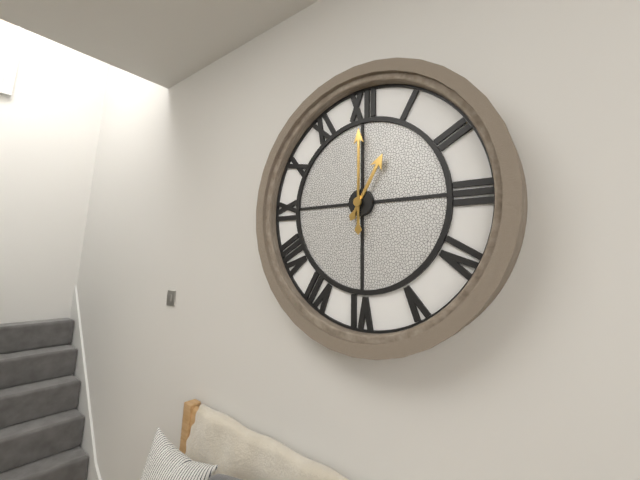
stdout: 1h00
